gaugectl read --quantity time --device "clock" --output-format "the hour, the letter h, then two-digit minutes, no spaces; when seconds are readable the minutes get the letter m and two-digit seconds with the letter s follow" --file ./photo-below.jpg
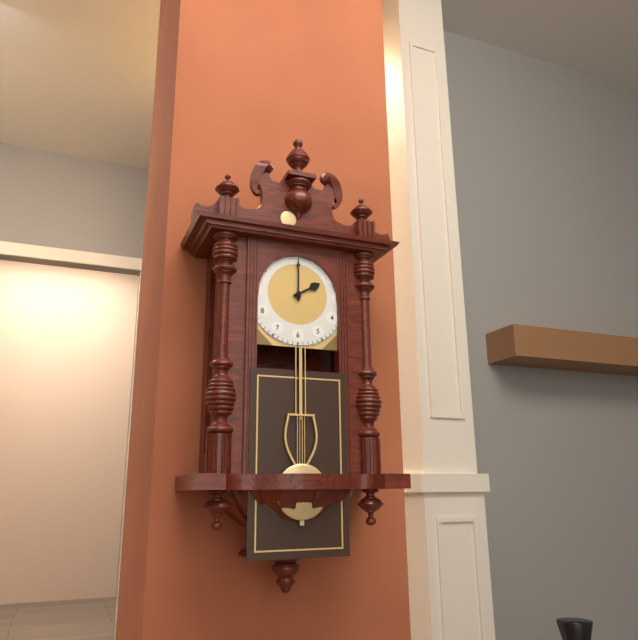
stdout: 2h00
